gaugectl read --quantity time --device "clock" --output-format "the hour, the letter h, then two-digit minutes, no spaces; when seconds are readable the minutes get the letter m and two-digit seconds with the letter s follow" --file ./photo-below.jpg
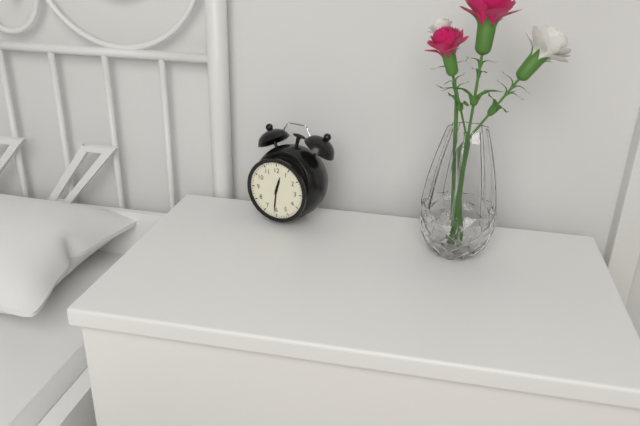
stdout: 12h31
